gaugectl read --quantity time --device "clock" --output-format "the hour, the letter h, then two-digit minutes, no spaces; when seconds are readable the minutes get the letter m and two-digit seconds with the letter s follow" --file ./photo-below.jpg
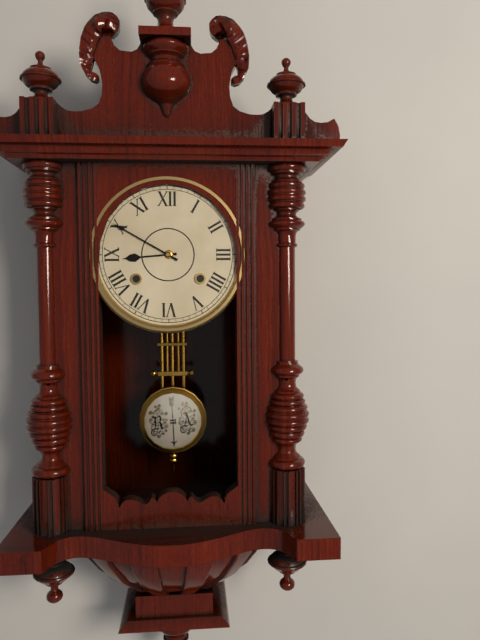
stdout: 8h50
